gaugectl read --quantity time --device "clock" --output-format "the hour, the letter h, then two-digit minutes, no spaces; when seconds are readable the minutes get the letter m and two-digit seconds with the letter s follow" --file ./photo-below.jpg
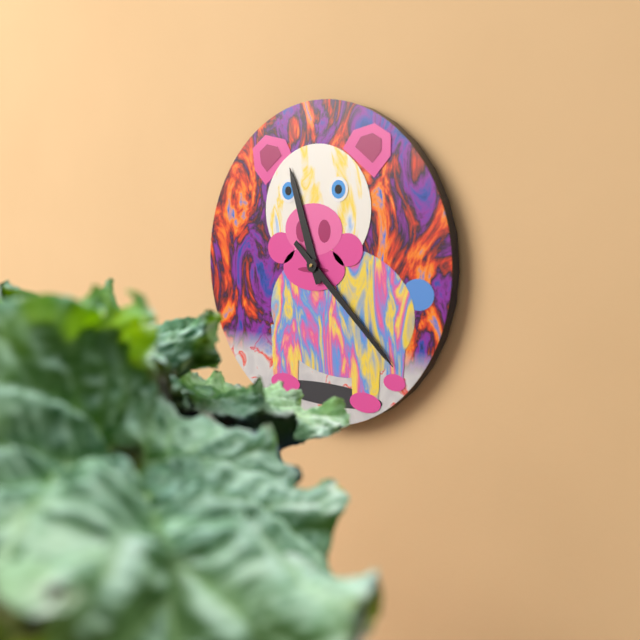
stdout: 11h22
